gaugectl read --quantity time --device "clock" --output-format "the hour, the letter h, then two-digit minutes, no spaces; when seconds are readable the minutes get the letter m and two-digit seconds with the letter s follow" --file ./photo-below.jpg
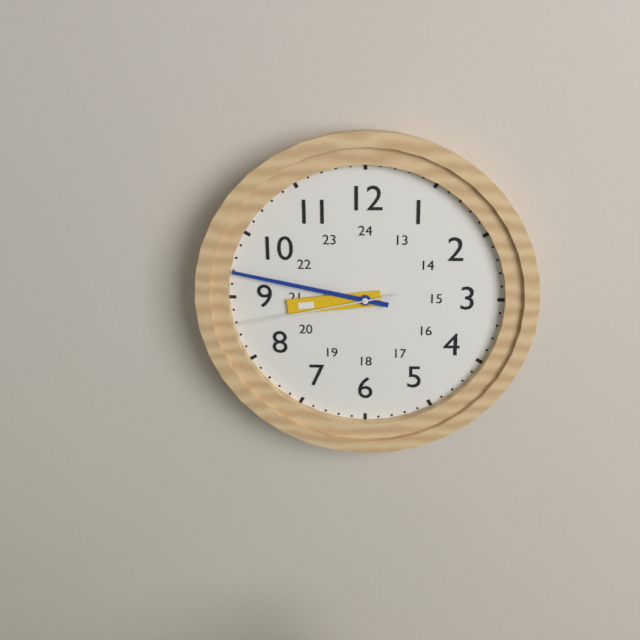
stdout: 8h47m43s
